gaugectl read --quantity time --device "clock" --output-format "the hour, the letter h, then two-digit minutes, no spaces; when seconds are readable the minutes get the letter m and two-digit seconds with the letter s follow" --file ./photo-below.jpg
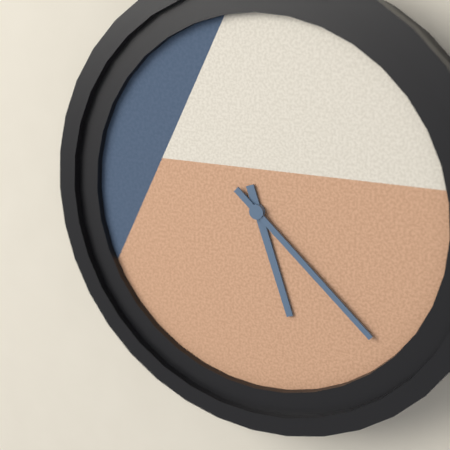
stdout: 5h22
